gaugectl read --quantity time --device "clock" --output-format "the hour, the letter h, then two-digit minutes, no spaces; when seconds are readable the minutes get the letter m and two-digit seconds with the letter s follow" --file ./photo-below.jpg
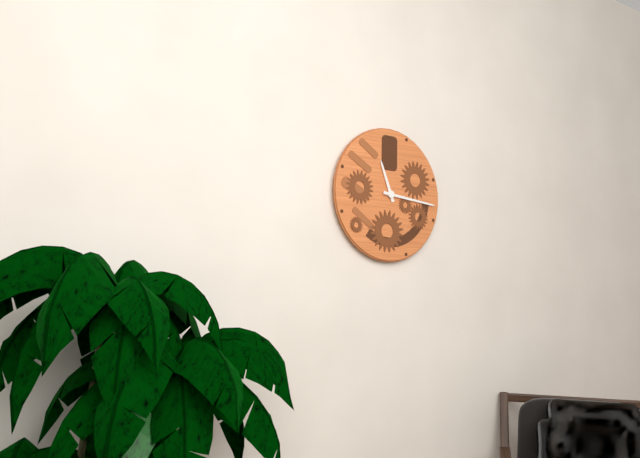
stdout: 11h16
